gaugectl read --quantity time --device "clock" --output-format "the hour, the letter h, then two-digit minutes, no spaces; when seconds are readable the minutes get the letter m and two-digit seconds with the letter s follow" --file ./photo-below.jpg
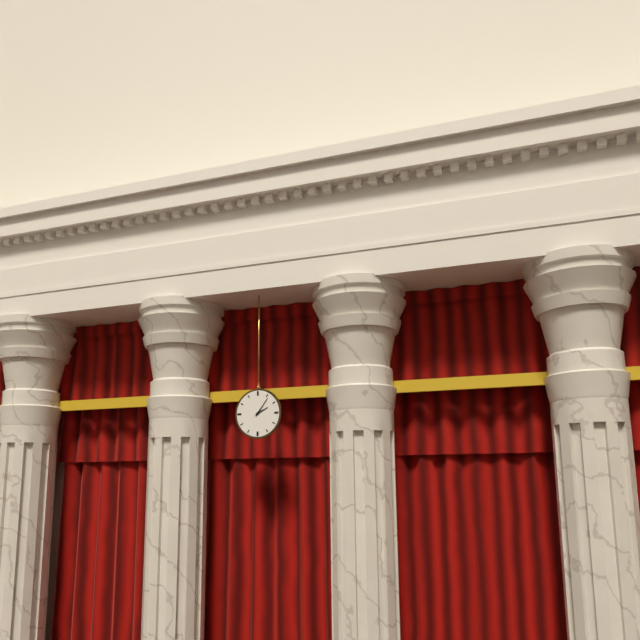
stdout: 2h06
